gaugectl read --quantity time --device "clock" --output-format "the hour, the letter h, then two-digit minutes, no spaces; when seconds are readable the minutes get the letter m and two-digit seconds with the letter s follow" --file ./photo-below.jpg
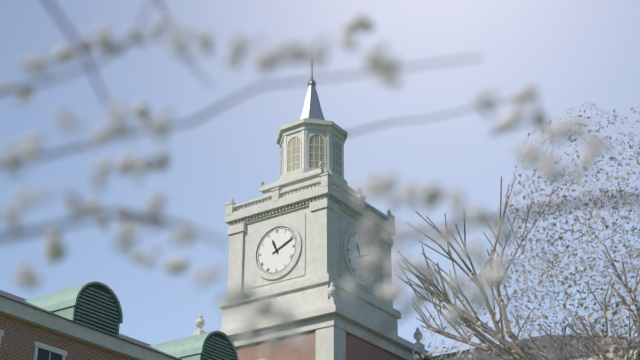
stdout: 11h11
